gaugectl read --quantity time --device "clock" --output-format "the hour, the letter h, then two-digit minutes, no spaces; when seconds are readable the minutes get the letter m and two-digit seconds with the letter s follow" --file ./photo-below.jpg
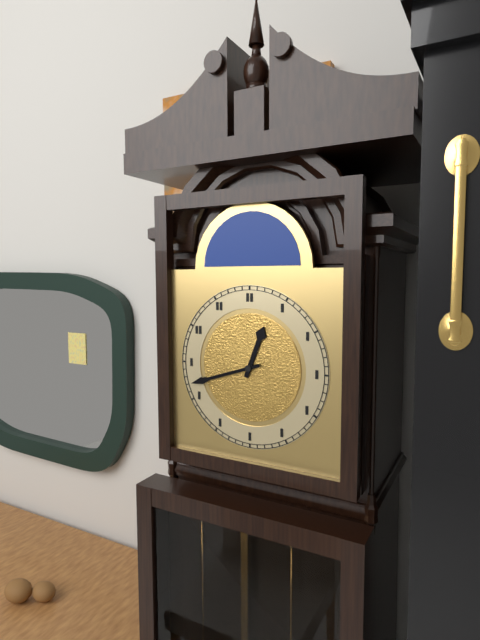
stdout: 12h42
